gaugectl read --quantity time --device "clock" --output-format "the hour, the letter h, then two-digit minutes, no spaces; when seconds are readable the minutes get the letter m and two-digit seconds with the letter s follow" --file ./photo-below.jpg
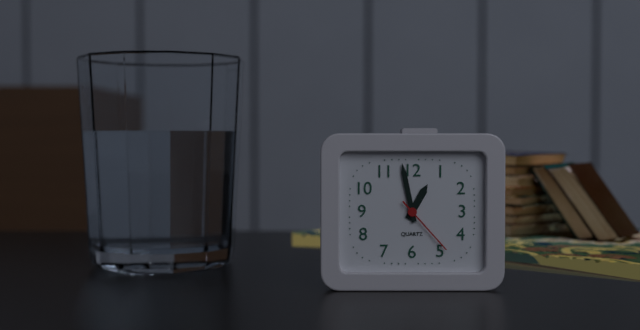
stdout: 12h58m23s
